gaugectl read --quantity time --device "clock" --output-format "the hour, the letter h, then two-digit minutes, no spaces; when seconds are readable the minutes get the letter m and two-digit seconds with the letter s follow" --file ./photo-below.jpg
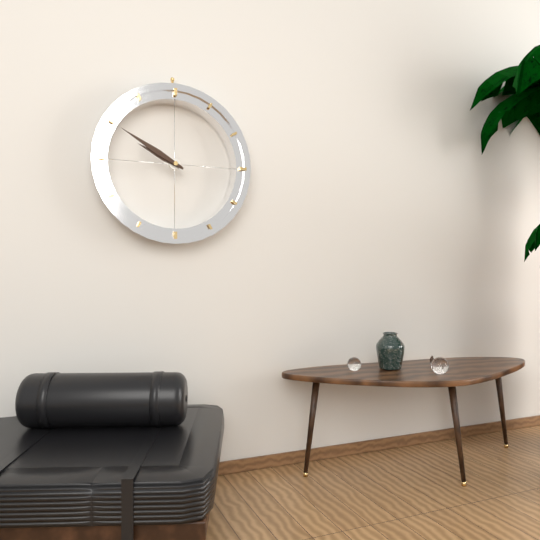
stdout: 9h50
